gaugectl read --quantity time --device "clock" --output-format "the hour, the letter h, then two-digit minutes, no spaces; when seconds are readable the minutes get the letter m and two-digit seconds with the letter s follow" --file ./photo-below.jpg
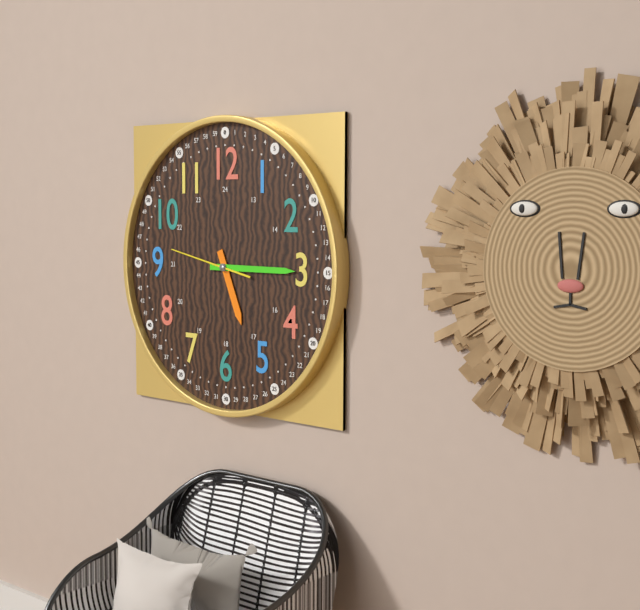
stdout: 5h15m47s
